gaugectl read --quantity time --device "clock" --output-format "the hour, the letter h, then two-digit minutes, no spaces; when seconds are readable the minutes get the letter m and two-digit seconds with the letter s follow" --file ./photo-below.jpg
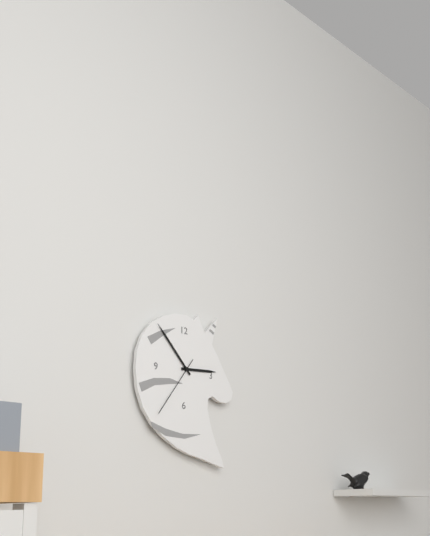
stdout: 2h53m36s
